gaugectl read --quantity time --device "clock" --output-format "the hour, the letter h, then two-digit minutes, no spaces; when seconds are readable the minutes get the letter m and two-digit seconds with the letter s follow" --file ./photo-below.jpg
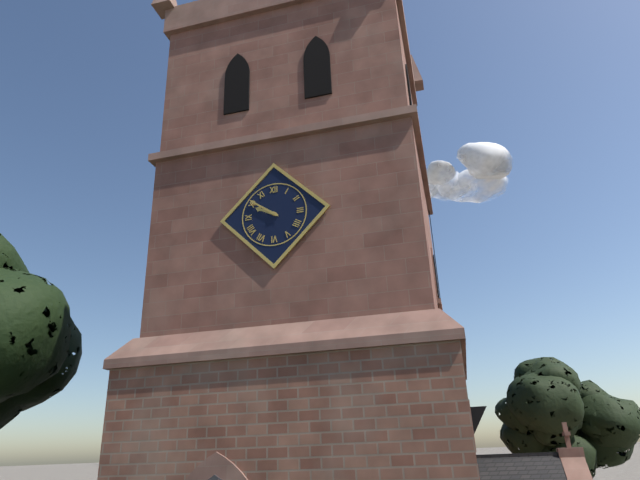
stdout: 9h51
